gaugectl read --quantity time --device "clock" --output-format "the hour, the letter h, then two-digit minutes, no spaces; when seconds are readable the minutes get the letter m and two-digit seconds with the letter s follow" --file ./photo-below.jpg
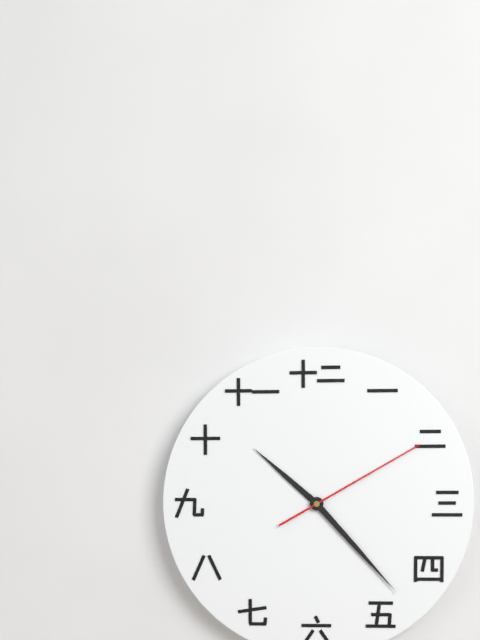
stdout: 10h23m10s
